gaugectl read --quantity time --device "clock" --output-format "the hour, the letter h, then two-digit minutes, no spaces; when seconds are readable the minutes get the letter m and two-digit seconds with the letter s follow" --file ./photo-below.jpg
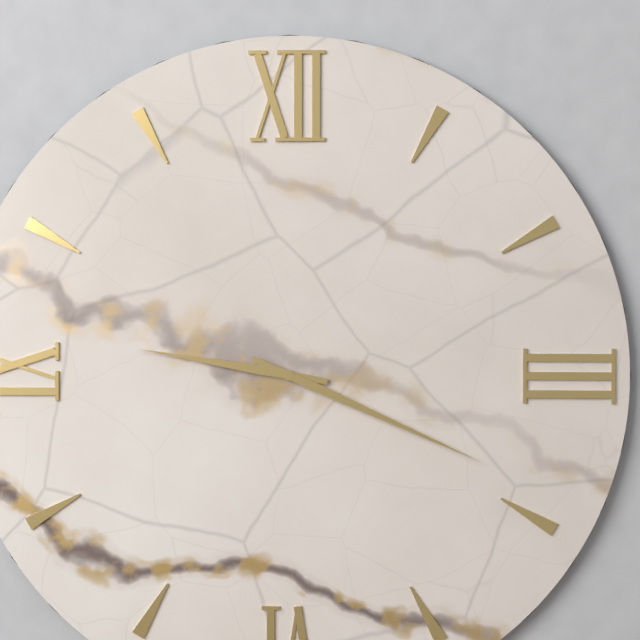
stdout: 9h19
